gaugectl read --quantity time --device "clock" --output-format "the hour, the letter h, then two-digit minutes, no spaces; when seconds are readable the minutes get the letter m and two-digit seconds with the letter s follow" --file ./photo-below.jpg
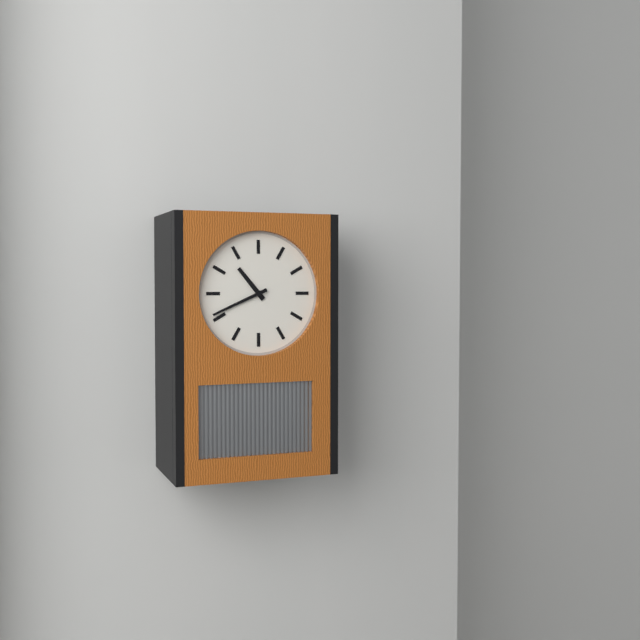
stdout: 10h41
